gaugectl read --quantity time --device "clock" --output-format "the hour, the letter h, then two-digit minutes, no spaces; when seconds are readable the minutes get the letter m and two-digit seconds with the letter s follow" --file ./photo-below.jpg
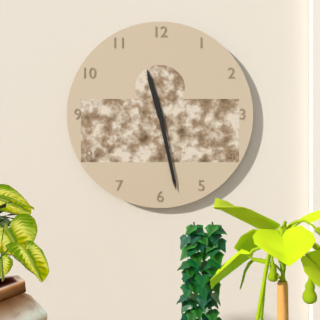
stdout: 11h28
